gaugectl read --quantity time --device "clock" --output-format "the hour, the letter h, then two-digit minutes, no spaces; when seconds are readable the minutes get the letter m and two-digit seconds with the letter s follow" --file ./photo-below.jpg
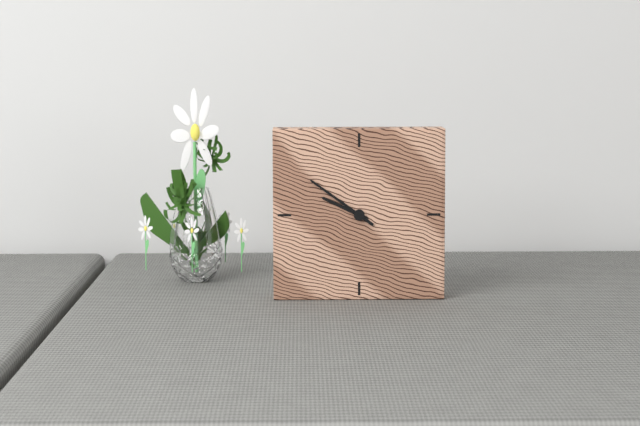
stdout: 9h51
